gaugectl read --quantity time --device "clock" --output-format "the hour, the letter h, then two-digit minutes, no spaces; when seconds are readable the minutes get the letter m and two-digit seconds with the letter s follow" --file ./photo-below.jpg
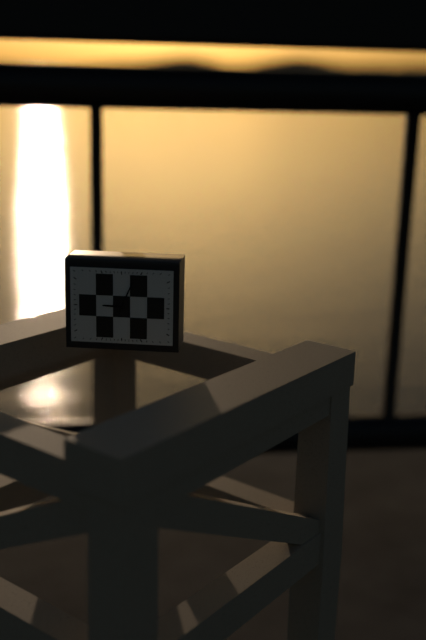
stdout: 9h04
